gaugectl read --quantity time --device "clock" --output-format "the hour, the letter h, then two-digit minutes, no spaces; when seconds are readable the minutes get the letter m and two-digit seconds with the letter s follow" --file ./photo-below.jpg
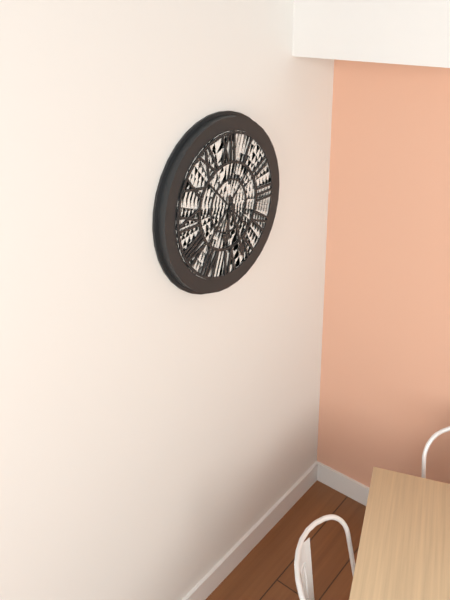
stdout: 6h27
